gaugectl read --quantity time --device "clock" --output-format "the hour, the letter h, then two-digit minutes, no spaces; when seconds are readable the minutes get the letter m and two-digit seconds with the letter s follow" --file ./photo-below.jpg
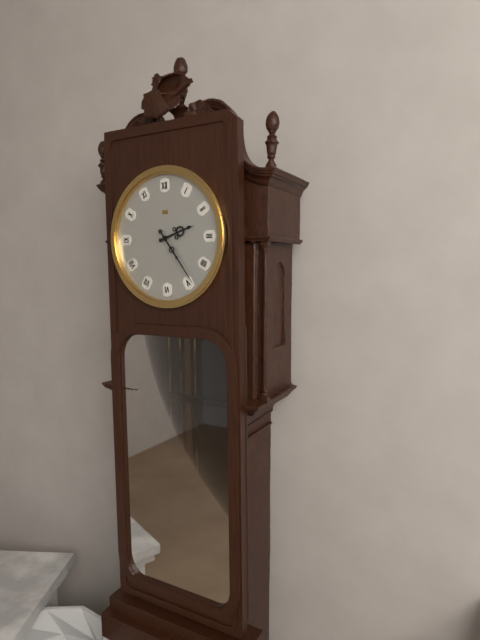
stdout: 2h24
